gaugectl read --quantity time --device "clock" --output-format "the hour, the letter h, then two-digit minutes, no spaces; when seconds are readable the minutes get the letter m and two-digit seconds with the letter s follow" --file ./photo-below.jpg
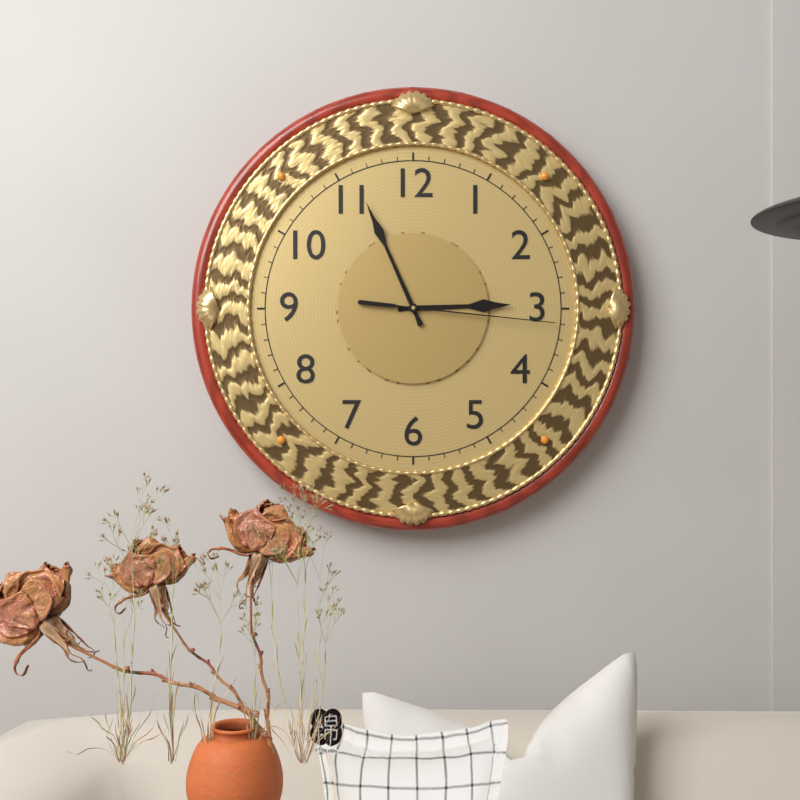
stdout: 2h56m16s
